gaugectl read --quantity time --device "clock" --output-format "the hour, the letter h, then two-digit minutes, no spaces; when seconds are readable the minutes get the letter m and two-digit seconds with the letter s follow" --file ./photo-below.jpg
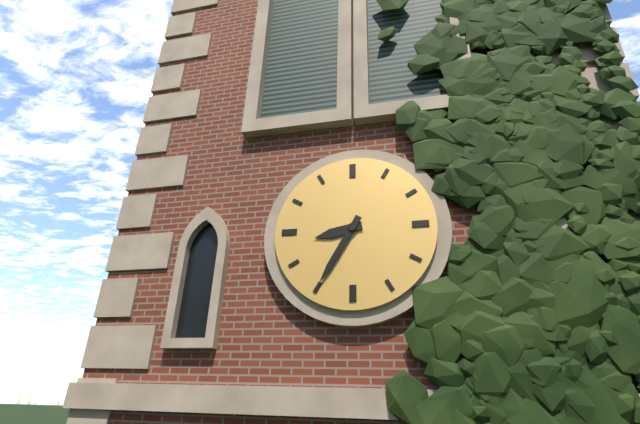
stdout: 8h35
